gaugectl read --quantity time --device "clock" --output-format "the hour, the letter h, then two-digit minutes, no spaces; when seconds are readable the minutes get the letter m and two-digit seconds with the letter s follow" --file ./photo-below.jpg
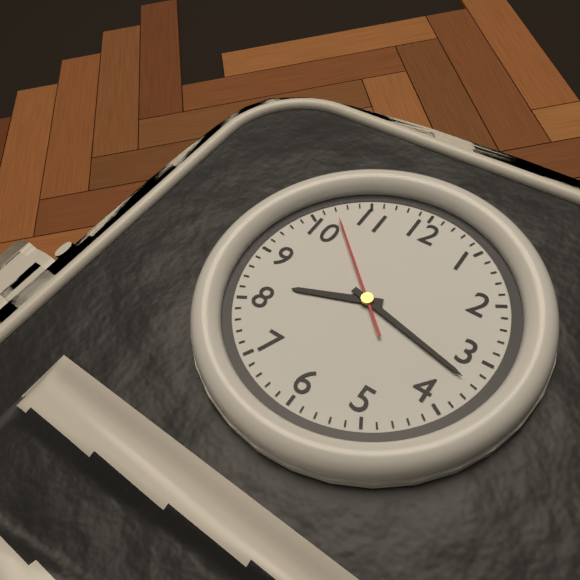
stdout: 8h17m52s
